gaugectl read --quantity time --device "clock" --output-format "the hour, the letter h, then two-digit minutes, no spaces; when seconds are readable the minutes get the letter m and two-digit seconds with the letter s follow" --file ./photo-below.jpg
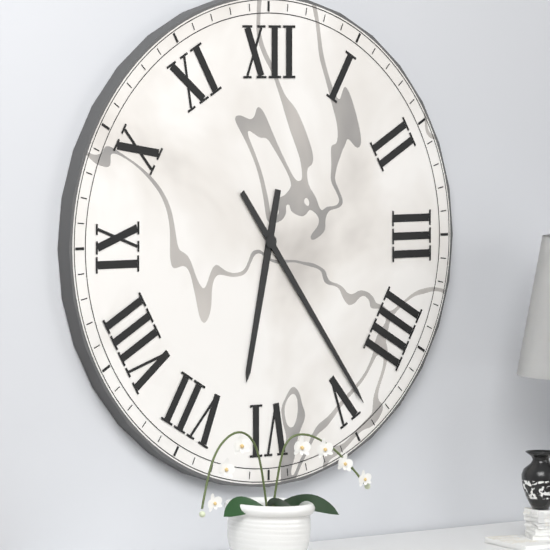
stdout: 6h24
